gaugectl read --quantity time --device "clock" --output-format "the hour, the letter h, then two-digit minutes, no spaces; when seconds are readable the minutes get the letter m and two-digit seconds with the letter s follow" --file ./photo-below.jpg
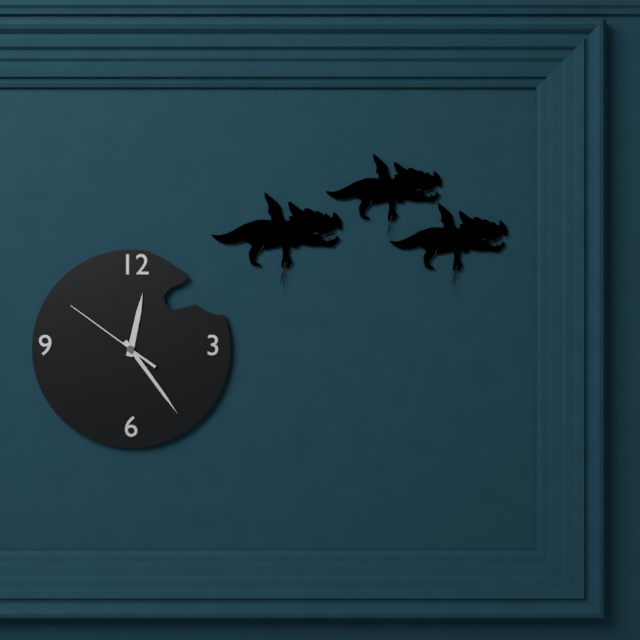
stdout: 12h24m51s
